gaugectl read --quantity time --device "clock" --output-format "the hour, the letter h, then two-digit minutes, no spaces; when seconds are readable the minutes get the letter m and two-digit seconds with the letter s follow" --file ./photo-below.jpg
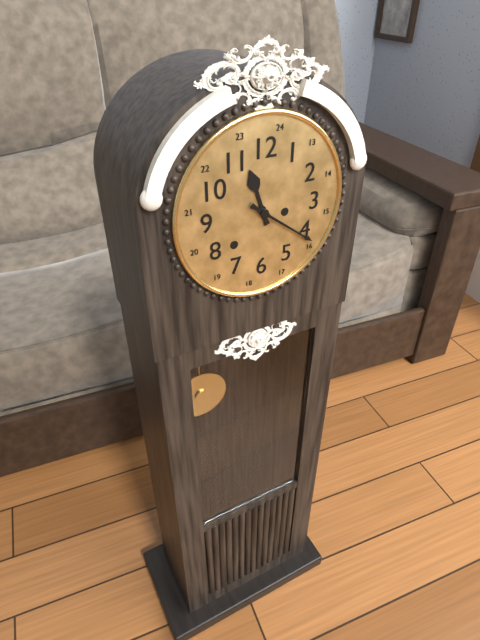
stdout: 11h21
